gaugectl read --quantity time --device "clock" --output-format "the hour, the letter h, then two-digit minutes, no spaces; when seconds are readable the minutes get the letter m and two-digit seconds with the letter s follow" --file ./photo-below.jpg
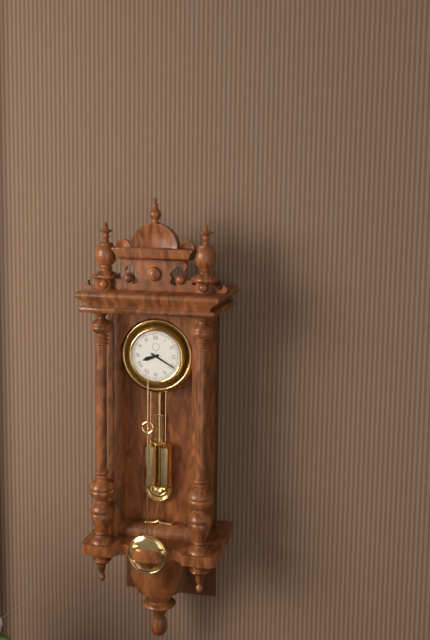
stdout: 8h20
